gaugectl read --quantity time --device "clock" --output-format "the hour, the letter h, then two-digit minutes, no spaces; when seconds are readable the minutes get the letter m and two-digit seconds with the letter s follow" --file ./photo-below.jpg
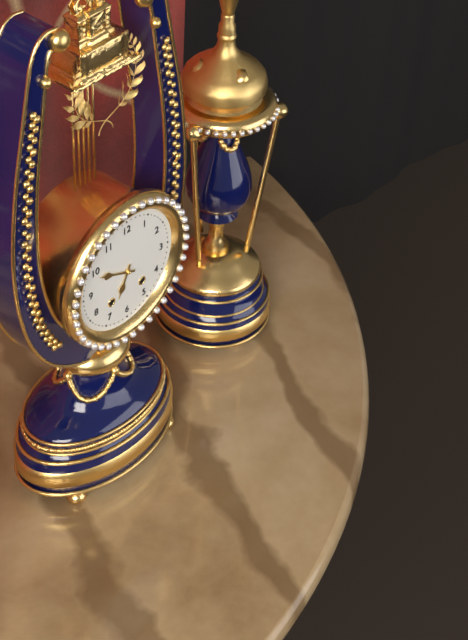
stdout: 6h49
